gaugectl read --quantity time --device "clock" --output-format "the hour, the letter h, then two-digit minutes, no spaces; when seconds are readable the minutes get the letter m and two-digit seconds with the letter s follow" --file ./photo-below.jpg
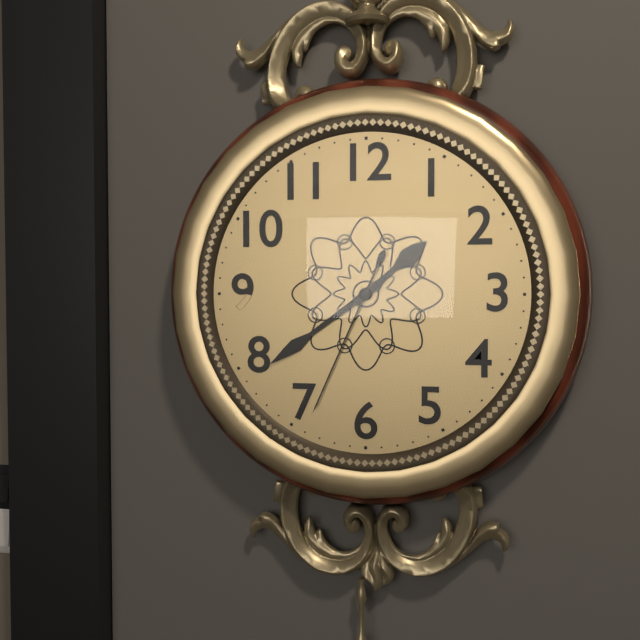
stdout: 1h39m34s
